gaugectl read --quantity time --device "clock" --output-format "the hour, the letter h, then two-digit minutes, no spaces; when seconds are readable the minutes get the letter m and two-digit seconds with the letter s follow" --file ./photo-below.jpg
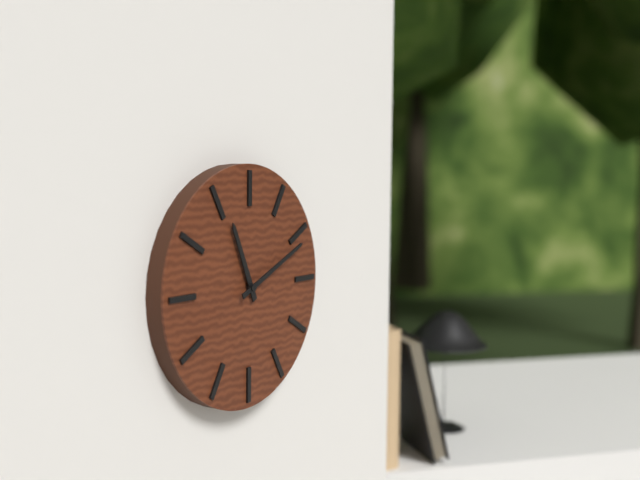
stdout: 11h11
